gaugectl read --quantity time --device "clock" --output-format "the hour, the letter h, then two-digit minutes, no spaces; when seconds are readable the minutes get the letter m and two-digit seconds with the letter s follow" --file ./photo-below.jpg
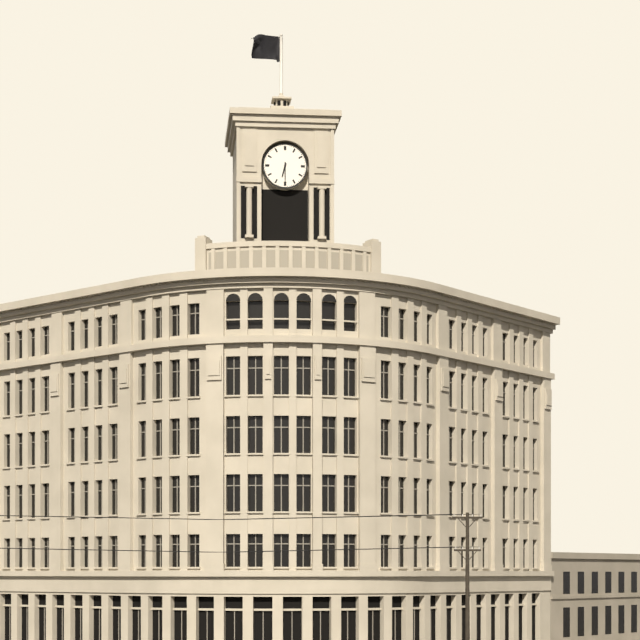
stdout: 6h30
